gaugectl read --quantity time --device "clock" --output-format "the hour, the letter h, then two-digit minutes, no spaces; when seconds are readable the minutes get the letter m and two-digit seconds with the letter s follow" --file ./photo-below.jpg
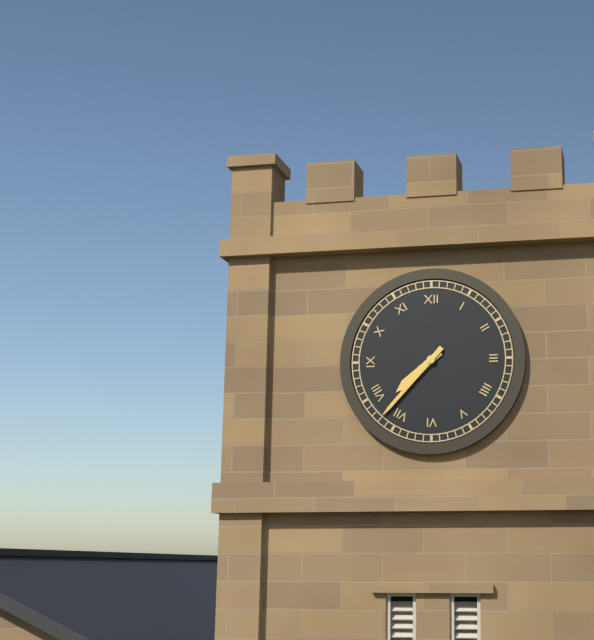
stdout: 7h37
